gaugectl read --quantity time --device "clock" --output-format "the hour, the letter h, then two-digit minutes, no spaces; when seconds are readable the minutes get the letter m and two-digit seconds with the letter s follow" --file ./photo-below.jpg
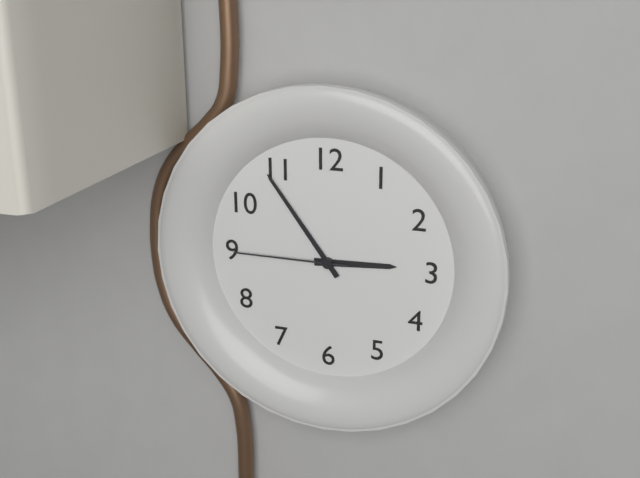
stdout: 2h54m45s
